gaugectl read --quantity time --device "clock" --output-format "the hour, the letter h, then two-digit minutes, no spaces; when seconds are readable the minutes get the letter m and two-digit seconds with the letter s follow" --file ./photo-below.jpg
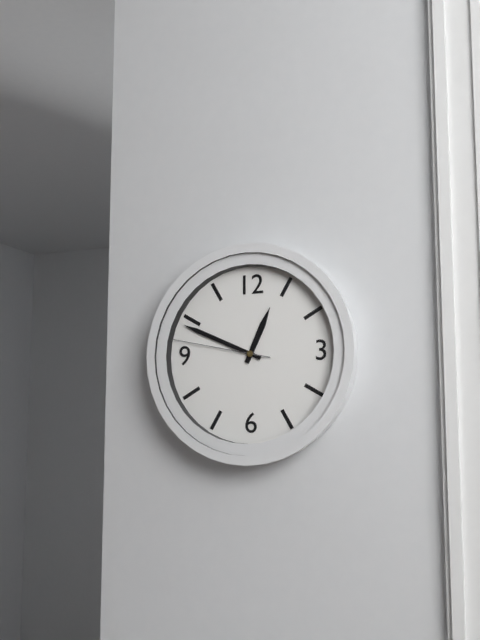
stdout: 12h49m47s
